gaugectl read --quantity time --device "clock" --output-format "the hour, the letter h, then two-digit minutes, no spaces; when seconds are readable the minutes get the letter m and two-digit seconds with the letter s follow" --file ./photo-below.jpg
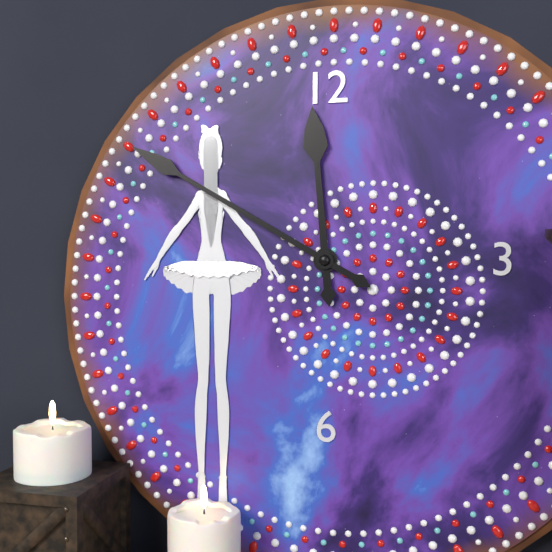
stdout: 11h50
